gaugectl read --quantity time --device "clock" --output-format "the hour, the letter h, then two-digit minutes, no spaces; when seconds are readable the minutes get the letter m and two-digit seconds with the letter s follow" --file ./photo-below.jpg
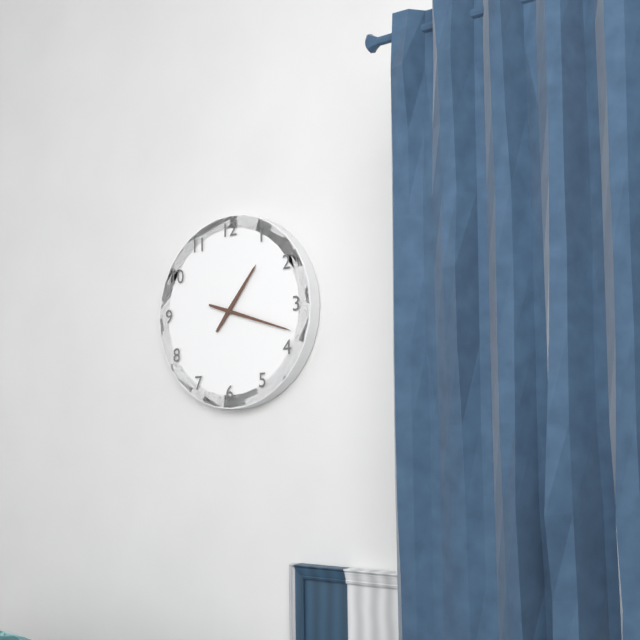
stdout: 1h18
